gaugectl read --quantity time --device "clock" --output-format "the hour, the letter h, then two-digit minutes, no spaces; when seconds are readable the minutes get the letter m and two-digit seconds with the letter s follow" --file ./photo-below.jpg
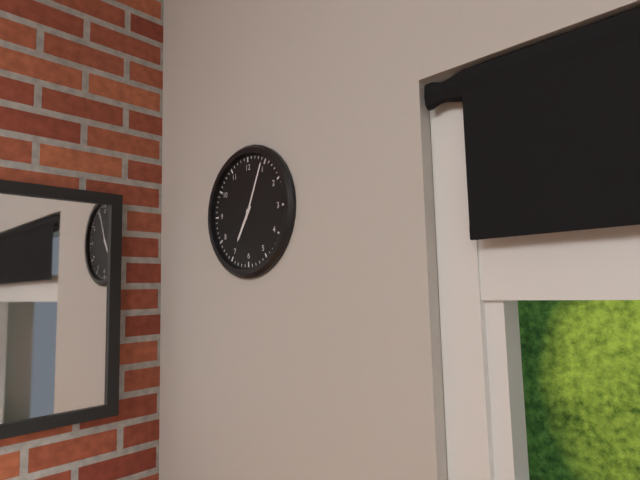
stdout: 7h04
